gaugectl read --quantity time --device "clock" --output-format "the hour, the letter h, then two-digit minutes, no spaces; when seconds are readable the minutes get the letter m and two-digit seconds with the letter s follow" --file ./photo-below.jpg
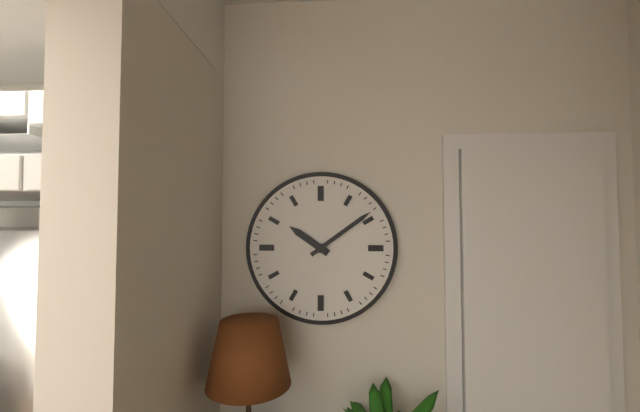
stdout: 10h09
